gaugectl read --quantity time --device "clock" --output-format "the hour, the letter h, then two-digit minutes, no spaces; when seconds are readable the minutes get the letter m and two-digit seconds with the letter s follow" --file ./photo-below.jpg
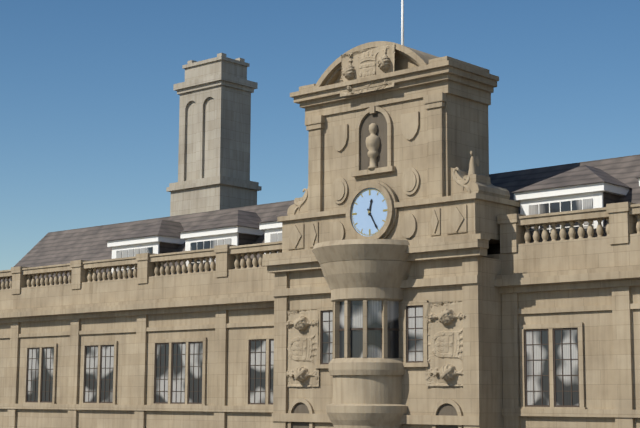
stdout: 12h25
